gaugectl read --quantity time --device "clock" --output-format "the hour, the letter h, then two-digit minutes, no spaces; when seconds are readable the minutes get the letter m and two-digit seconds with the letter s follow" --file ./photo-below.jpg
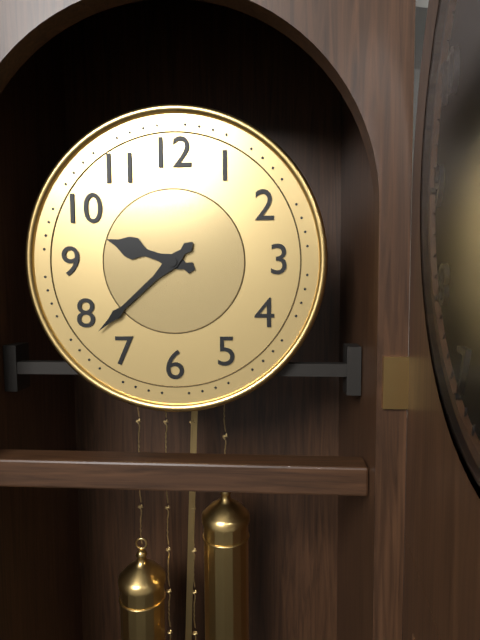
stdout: 9h38
